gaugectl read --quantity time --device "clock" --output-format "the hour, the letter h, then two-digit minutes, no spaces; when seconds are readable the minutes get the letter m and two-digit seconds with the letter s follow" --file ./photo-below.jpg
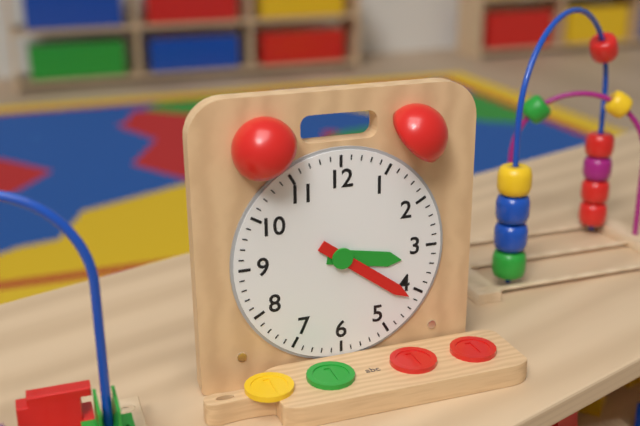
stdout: 3h21
